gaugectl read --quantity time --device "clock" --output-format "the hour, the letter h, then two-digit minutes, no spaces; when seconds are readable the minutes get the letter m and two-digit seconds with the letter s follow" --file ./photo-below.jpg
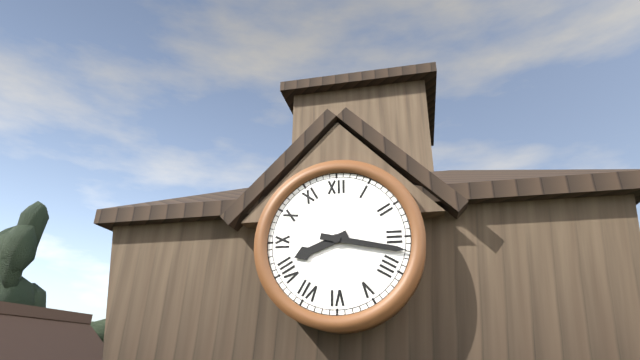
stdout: 8h17
